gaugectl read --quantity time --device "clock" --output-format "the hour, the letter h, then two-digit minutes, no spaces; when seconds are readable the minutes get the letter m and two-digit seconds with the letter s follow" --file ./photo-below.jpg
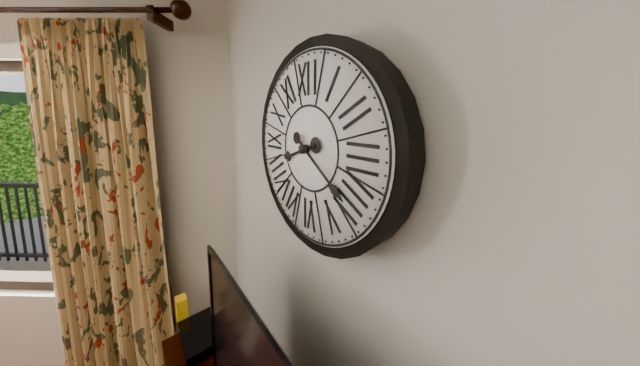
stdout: 8h21
